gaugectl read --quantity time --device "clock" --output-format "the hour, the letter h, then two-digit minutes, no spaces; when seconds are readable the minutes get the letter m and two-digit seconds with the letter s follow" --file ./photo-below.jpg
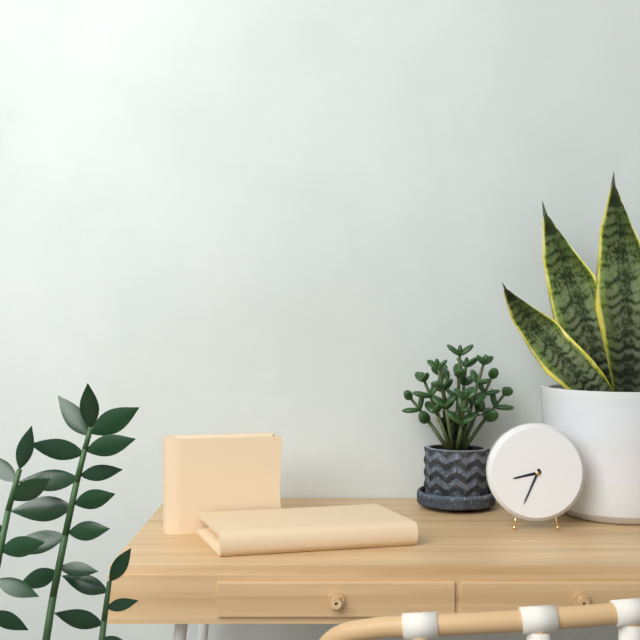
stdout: 8h34
